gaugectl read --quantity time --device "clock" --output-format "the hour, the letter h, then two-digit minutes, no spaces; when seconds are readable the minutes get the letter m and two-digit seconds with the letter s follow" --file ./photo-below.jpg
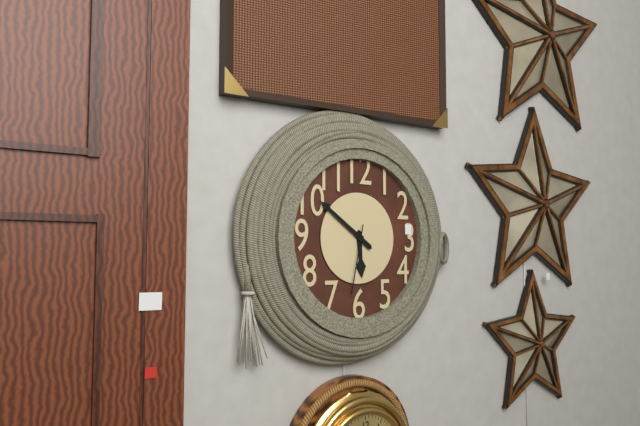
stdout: 5h51m32s
